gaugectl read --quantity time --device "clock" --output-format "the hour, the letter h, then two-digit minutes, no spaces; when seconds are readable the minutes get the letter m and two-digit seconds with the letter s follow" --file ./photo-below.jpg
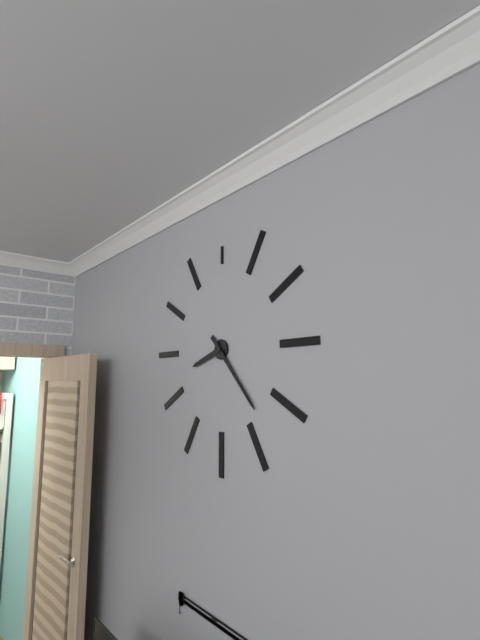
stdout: 8h23
